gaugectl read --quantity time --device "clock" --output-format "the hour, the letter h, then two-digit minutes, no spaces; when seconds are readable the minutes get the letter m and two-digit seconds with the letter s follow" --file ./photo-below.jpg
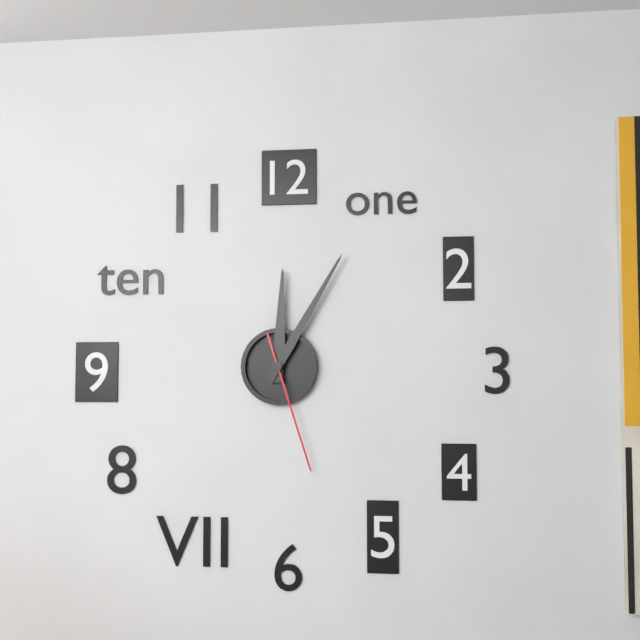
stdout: 12h05m27s
